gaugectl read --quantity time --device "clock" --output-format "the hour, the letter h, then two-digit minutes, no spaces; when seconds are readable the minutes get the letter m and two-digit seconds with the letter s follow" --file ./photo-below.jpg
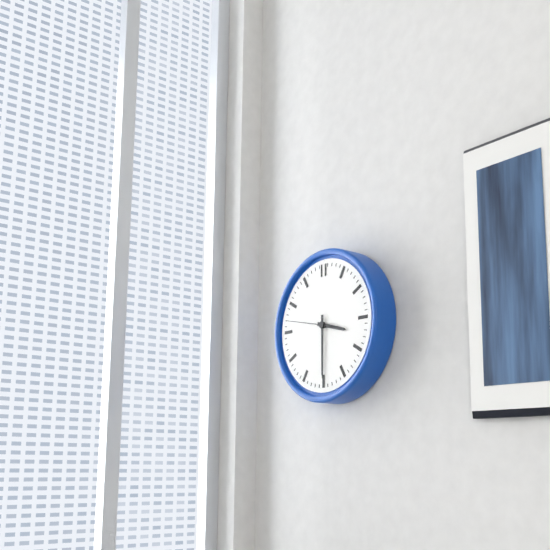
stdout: 3h30
